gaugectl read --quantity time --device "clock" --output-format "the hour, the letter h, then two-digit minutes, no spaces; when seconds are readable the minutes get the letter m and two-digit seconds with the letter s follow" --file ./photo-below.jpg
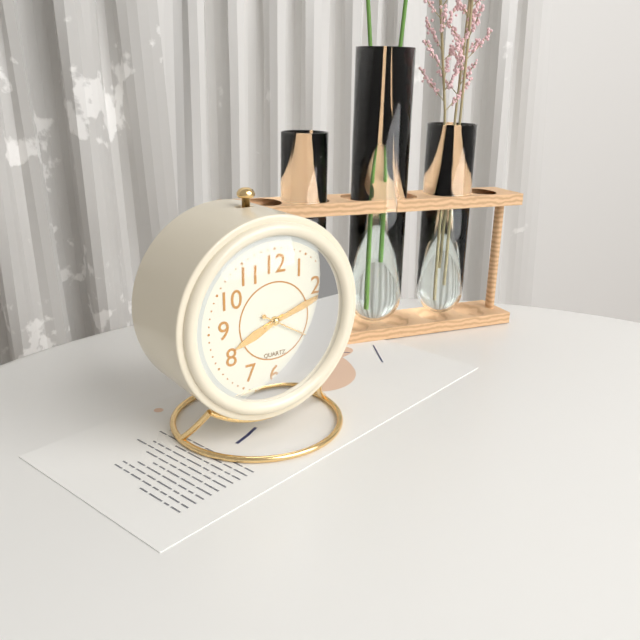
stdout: 8h12m20s
